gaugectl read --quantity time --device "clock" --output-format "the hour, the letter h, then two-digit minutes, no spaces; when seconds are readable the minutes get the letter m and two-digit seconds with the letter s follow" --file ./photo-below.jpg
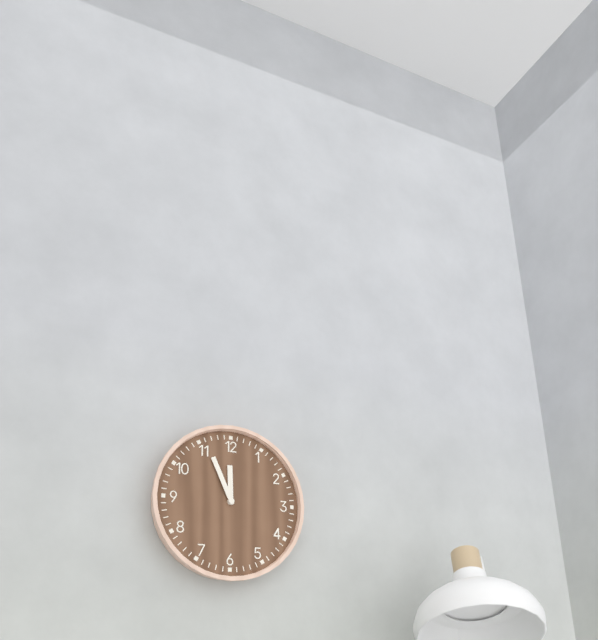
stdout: 11h56
